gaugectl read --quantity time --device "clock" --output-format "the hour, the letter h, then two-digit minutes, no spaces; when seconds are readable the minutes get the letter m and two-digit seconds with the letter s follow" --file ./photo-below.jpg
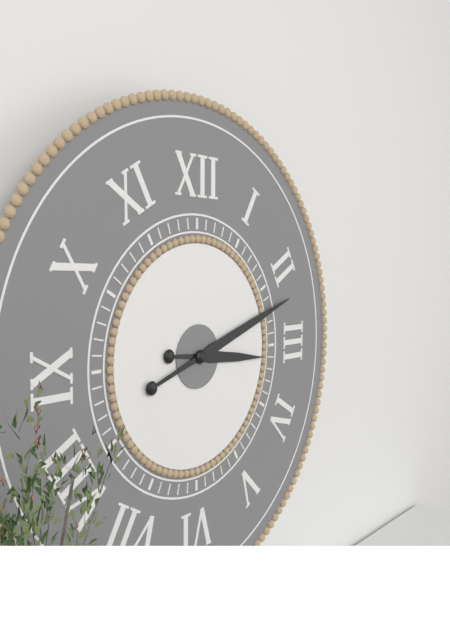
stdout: 3h12
